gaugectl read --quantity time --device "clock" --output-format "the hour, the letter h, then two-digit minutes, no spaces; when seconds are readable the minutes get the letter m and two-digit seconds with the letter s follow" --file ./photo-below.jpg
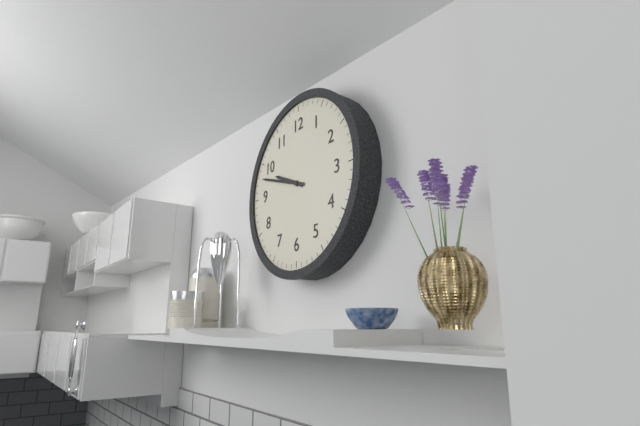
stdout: 9h48
